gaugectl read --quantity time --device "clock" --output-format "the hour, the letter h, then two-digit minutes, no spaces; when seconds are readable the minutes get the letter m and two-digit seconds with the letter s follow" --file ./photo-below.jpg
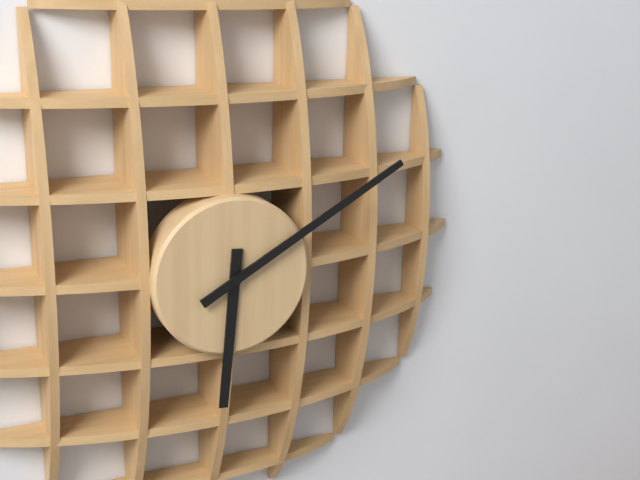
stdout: 6h10
